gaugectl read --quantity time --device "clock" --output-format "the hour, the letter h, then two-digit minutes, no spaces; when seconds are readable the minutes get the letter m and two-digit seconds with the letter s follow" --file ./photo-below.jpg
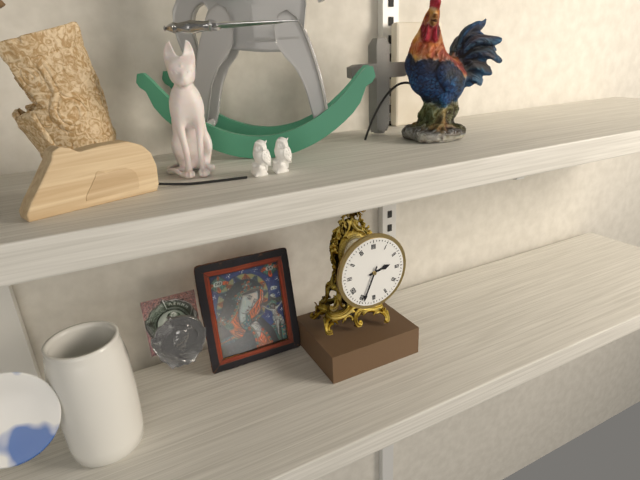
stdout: 2h34
